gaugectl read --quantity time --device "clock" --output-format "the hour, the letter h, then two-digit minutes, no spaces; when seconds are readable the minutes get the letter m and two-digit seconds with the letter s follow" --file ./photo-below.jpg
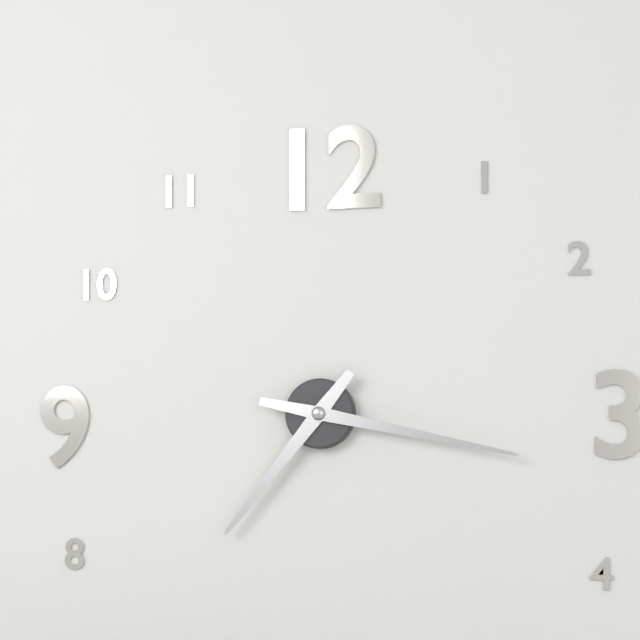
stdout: 7h17
